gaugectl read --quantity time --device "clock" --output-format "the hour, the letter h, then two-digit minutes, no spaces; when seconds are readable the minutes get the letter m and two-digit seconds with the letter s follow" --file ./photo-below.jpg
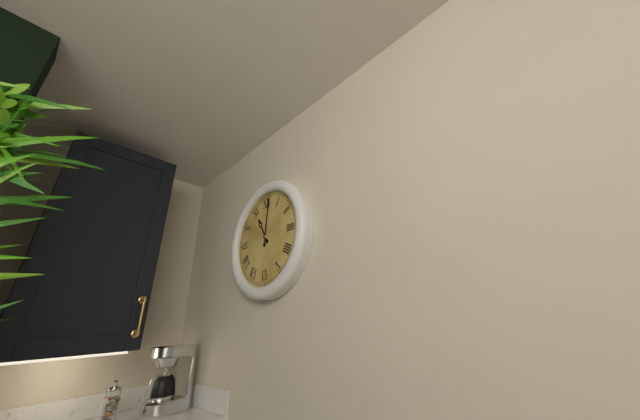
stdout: 11h01
